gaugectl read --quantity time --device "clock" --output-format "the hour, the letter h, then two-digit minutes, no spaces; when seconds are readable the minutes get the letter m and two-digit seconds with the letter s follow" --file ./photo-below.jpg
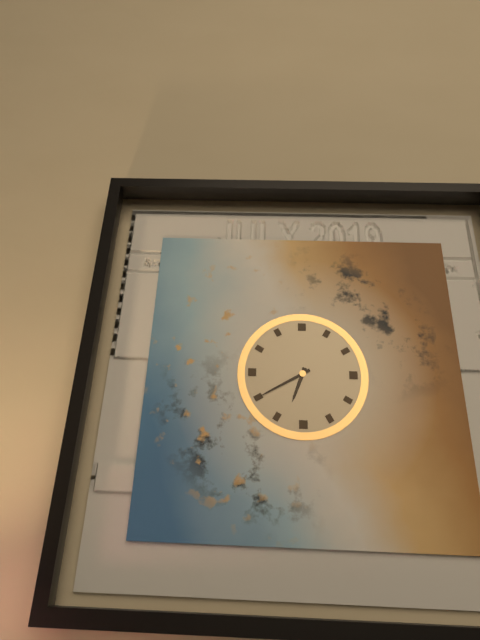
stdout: 6h40
